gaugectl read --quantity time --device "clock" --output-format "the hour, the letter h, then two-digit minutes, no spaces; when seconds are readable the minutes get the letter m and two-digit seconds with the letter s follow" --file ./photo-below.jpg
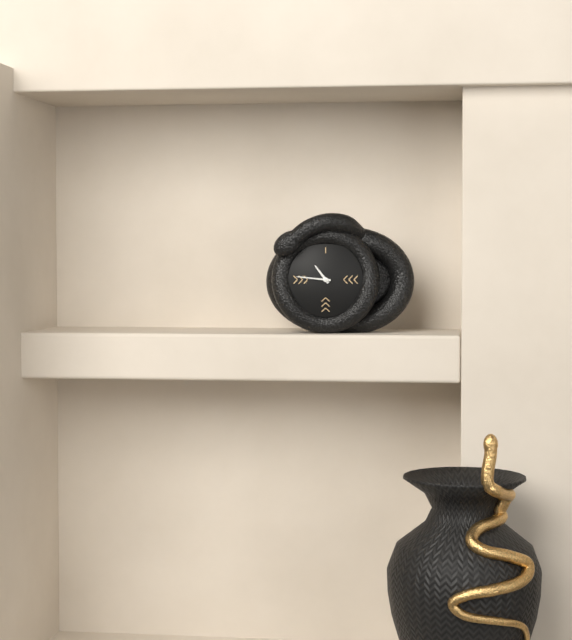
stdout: 10h46
